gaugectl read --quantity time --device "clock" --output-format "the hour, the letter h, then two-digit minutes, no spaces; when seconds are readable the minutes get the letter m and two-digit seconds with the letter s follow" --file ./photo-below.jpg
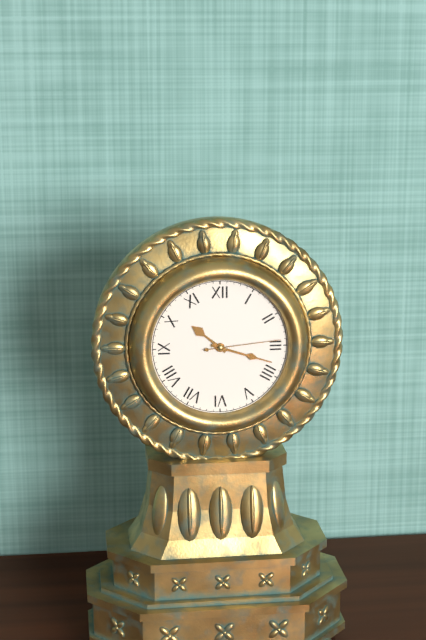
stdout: 10h18m14s
